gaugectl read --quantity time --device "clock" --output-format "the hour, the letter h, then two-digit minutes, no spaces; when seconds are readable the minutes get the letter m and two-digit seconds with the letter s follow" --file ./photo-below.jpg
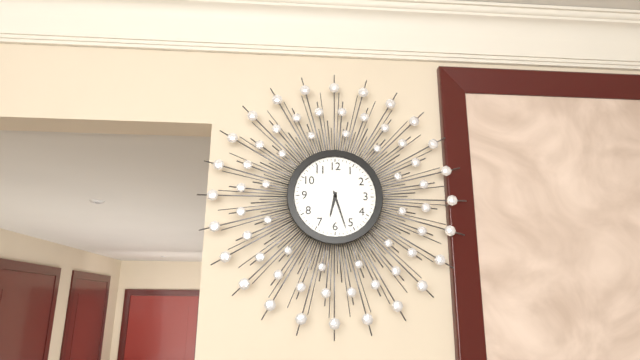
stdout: 6h27
